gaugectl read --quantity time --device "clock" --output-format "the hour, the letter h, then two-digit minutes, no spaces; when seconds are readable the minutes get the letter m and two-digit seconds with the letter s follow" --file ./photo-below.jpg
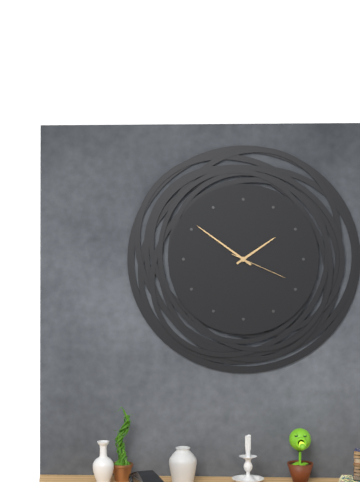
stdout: 1h51m19s
